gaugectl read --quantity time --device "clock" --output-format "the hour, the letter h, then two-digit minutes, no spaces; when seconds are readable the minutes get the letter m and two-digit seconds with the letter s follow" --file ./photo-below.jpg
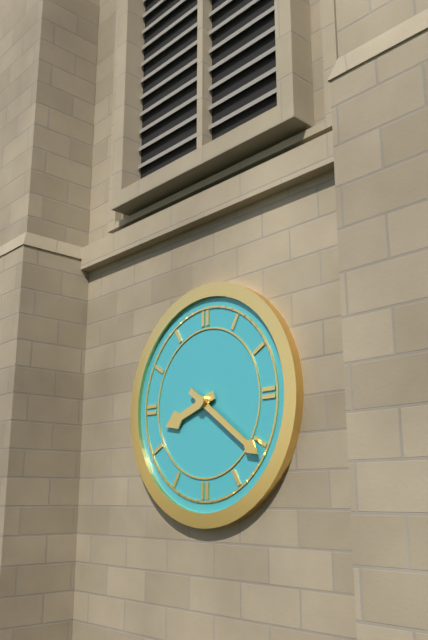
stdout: 8h21
